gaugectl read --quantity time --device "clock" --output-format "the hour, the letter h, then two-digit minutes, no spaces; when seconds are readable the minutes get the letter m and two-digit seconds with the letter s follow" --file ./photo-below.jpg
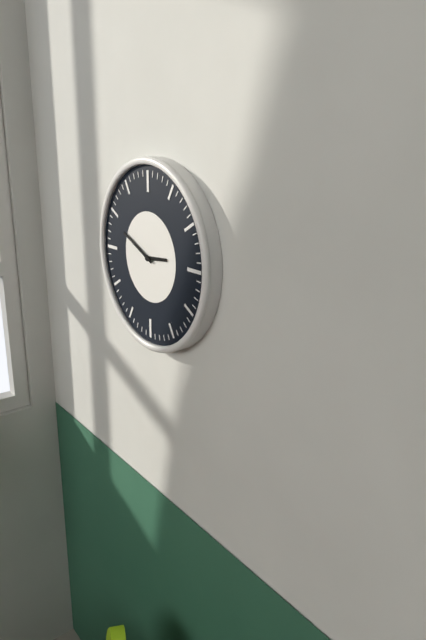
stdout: 2h49
